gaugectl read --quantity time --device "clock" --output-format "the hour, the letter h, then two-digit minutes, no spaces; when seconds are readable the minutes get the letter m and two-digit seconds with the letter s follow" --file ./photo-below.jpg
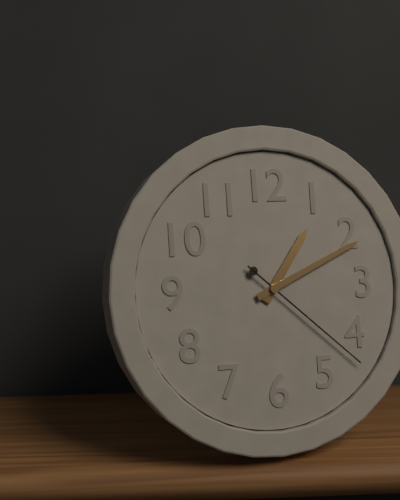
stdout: 1h11m22s
